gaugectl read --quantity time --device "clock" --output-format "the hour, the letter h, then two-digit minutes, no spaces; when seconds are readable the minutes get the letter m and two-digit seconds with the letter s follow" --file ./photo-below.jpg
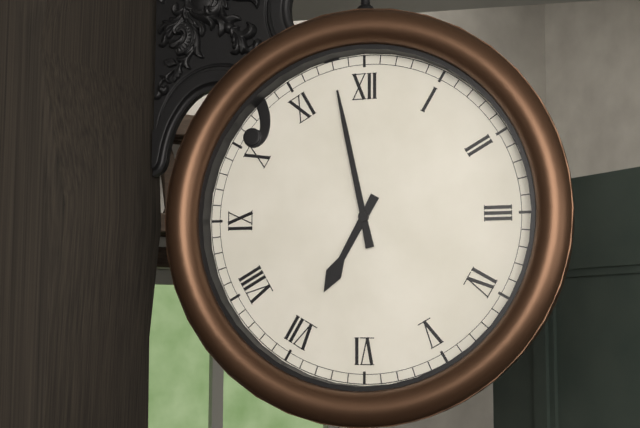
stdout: 6h58
